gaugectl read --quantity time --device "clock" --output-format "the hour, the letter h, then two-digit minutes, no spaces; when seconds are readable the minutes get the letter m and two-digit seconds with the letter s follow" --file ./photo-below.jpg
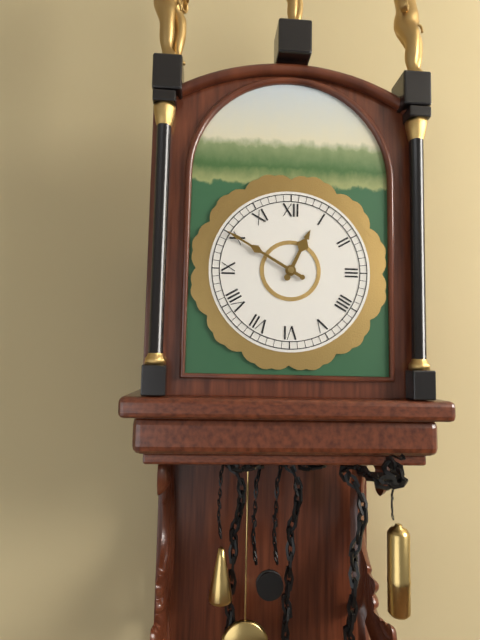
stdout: 12h50
